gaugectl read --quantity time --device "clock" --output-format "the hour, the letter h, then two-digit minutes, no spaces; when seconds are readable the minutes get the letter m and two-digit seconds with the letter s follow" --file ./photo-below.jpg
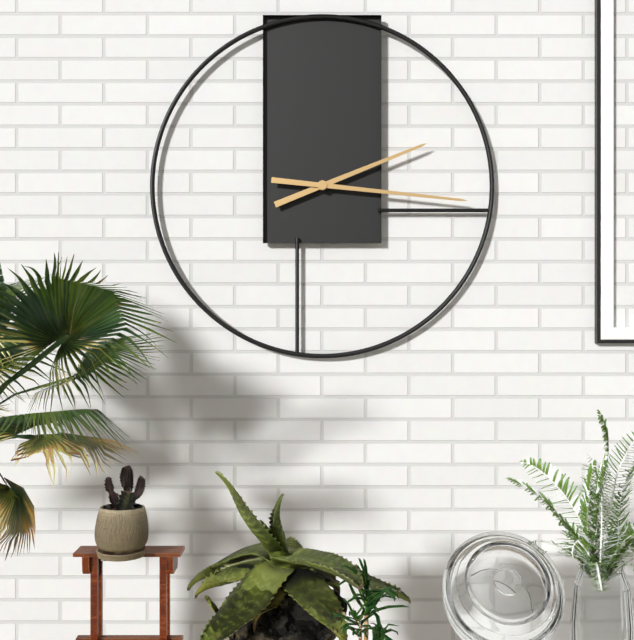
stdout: 2h16
